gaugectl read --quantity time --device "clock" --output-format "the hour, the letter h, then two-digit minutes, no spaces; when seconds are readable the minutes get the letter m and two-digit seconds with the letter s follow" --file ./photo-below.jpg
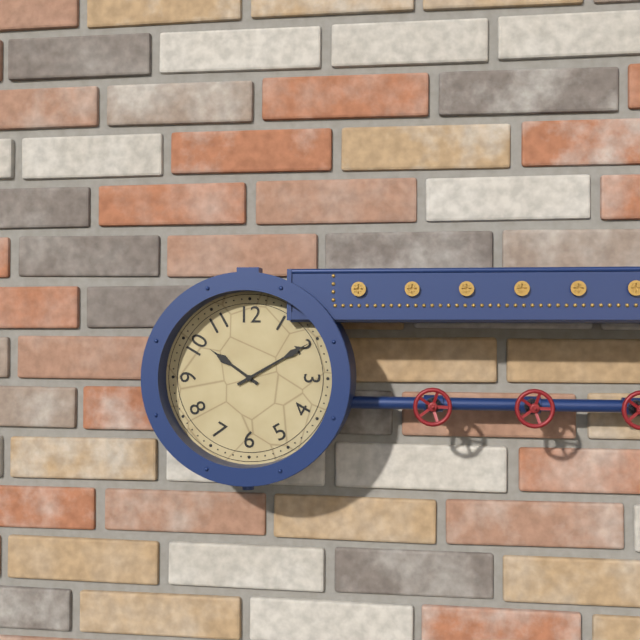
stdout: 10h10
